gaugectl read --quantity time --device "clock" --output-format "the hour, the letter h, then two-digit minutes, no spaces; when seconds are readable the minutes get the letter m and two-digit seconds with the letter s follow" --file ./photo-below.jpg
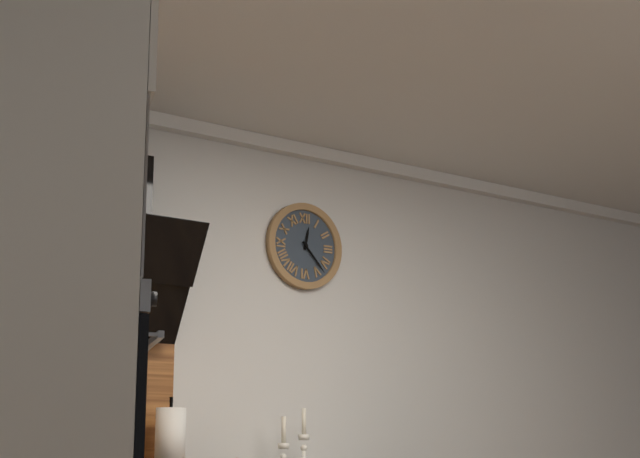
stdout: 12h23
